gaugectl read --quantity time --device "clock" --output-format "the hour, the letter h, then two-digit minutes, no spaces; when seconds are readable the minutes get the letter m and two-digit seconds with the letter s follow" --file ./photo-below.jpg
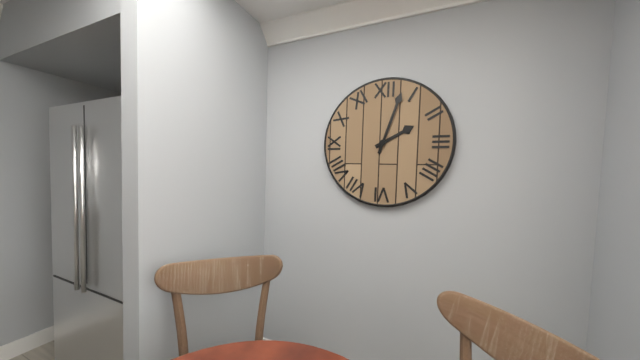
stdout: 2h03
